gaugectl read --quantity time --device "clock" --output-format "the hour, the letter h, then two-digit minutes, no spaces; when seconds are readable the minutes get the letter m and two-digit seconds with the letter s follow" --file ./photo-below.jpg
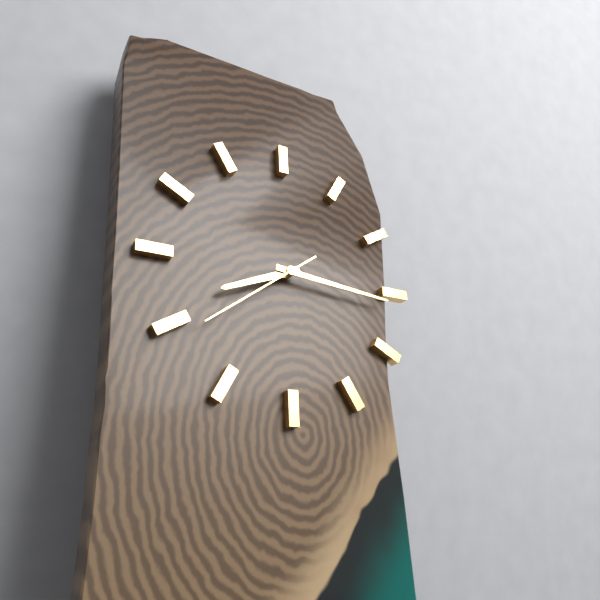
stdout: 8h16m39s
